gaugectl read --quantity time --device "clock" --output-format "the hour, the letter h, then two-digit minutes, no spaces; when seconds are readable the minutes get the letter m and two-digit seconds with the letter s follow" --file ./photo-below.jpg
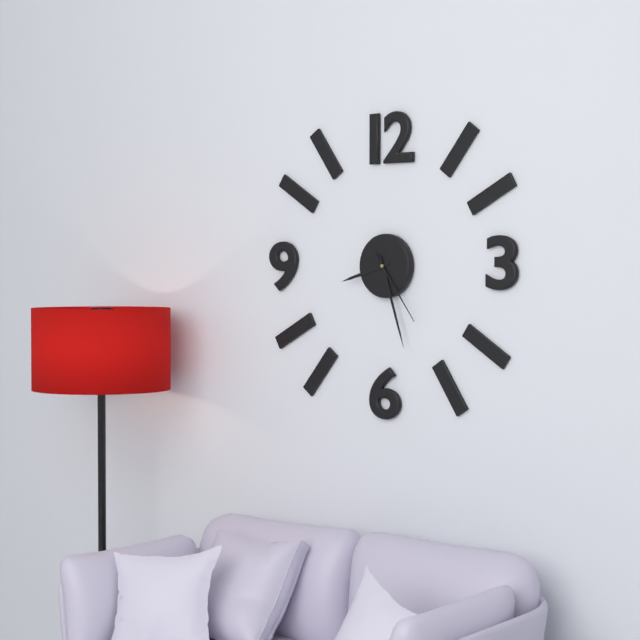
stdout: 8h27m24s
